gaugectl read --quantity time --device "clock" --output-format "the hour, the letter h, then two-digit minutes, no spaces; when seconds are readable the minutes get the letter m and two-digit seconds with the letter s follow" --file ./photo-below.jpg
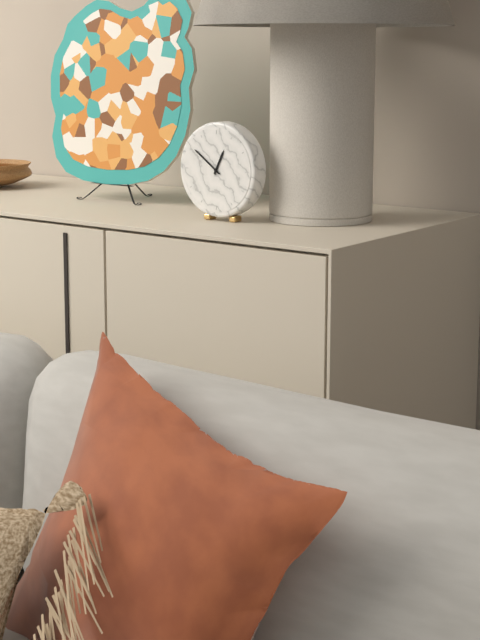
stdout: 12h51
